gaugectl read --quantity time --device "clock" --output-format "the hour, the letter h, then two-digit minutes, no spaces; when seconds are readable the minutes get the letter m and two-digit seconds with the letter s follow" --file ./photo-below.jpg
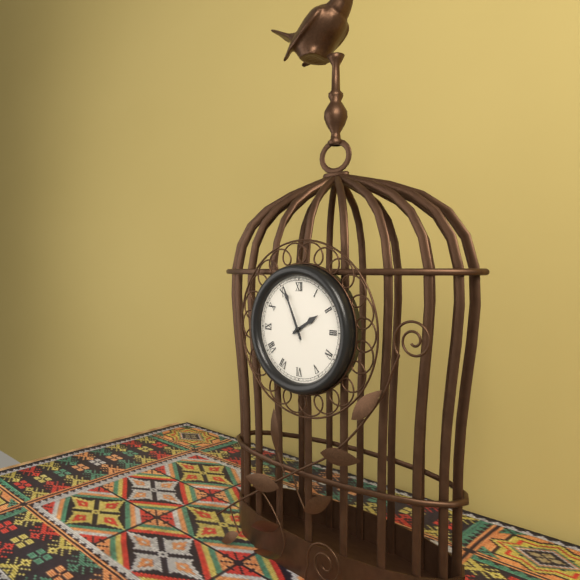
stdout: 1h56
